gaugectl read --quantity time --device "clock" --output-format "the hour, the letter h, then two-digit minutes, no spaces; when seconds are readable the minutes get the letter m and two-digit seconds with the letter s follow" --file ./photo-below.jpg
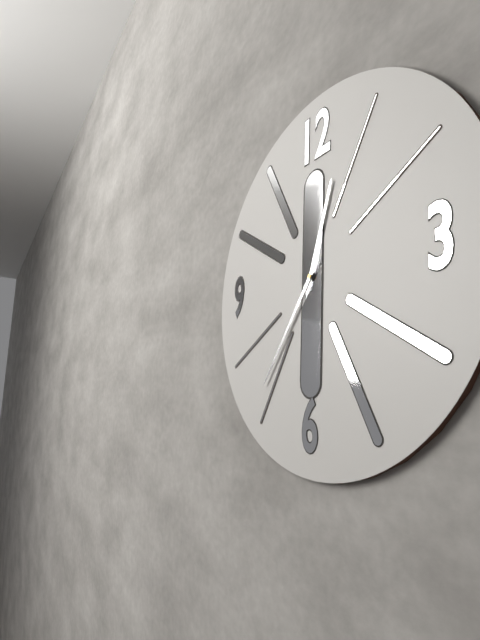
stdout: 12h36
